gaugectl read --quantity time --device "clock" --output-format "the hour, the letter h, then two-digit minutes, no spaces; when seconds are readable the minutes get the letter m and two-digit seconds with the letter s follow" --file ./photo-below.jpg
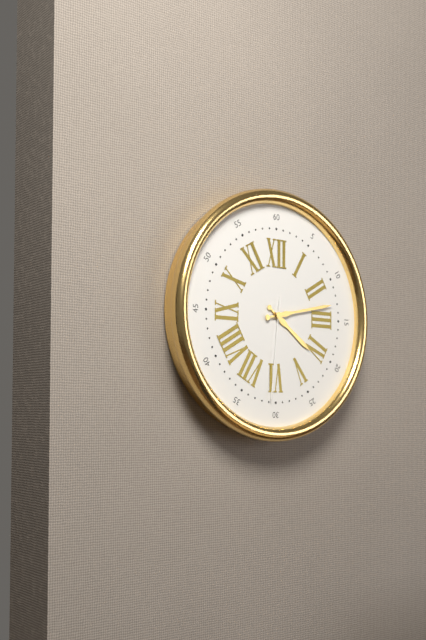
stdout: 4h13m31s
